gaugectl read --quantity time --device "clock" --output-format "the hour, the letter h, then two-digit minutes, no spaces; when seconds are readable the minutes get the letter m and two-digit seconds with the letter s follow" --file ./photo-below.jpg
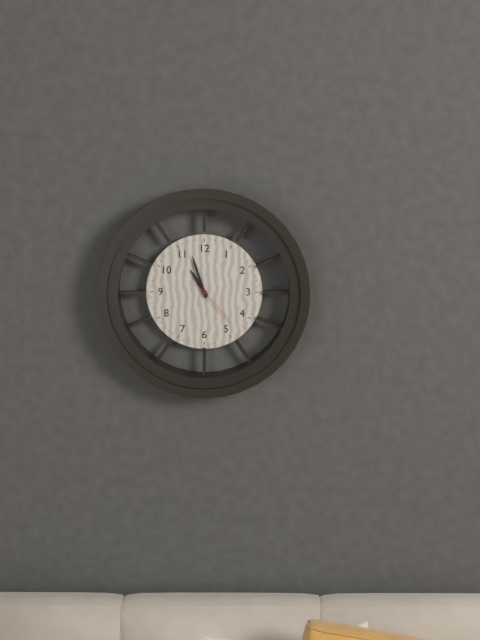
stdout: 10h57m23s
